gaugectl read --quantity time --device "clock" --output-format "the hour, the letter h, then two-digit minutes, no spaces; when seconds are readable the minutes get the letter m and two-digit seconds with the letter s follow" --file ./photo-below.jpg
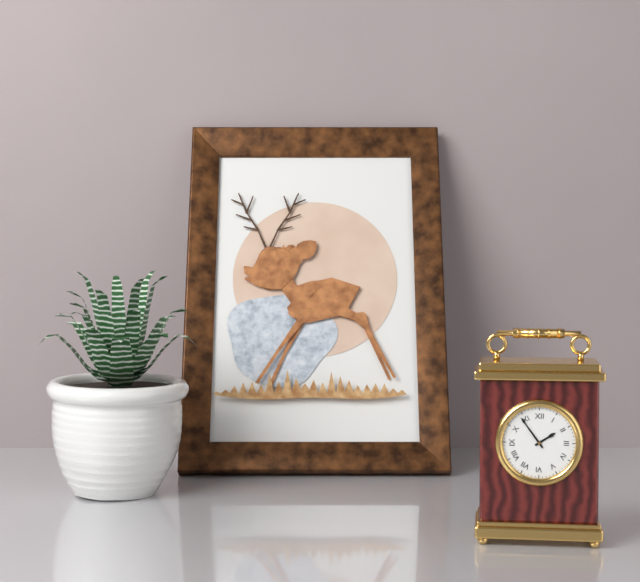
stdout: 1h54
